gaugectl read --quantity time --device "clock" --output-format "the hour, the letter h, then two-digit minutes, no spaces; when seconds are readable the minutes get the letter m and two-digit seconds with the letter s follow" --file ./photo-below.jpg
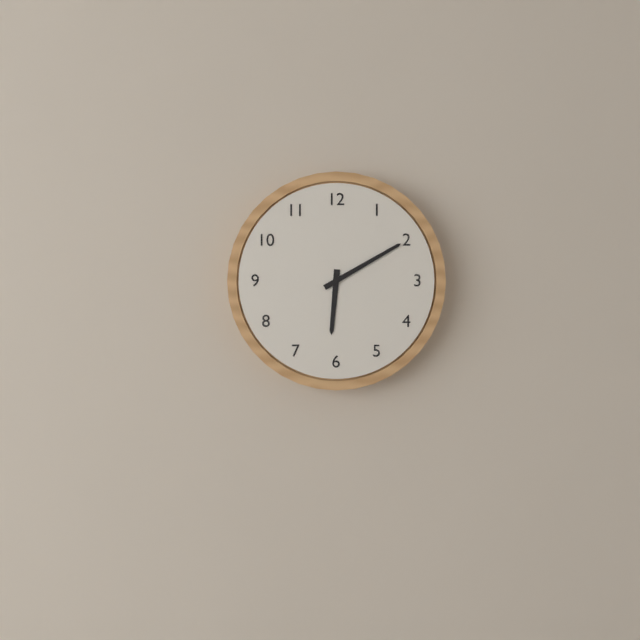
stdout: 6h10
